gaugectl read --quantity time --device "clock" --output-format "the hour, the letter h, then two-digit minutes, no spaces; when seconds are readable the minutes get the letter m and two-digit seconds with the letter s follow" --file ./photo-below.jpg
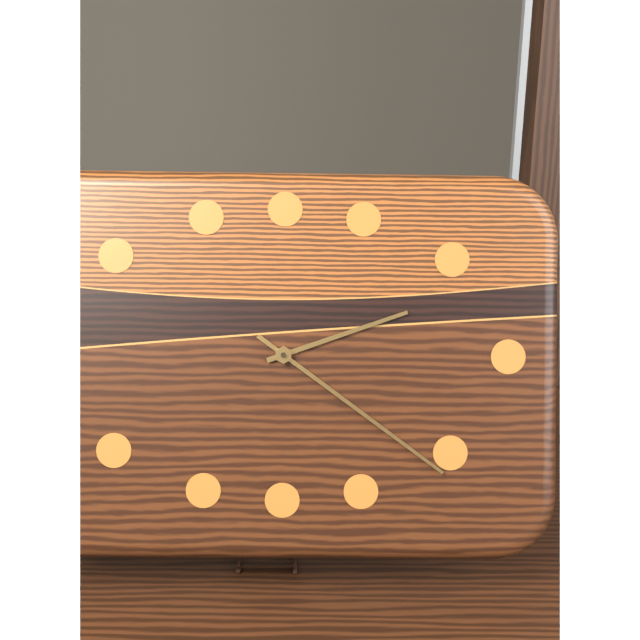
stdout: 2h21
